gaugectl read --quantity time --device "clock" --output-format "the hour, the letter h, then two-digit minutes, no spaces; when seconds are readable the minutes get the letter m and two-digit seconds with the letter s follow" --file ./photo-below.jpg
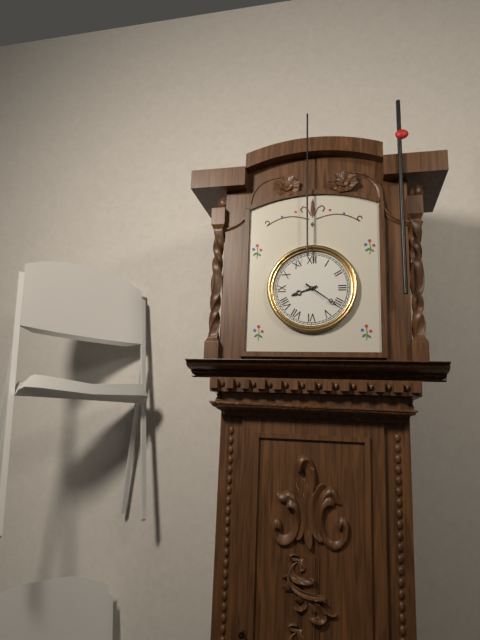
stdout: 8h21
